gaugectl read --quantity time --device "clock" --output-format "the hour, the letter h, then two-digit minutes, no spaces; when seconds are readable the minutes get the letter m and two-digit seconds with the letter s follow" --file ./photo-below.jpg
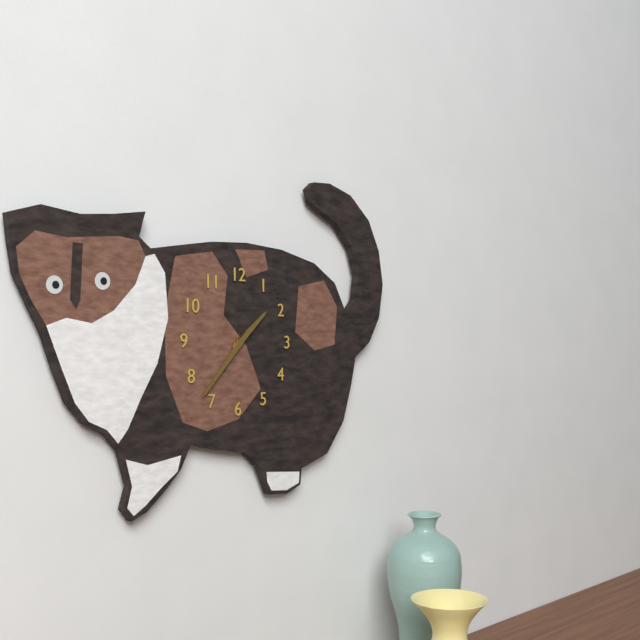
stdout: 1h37
